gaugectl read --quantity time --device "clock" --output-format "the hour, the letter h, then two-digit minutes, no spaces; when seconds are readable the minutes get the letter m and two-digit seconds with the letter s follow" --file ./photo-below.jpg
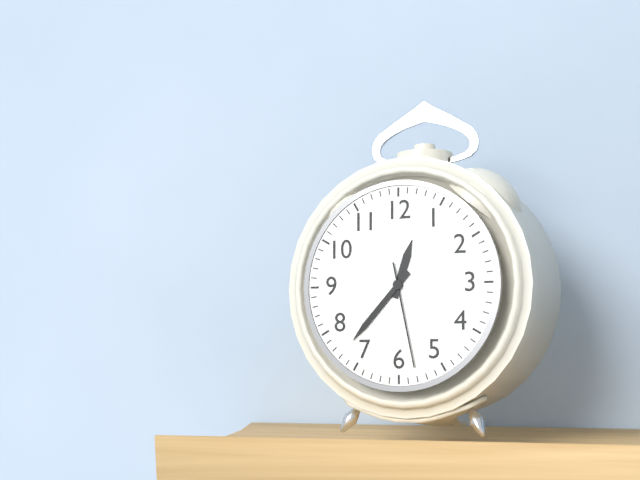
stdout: 12h37m28s
